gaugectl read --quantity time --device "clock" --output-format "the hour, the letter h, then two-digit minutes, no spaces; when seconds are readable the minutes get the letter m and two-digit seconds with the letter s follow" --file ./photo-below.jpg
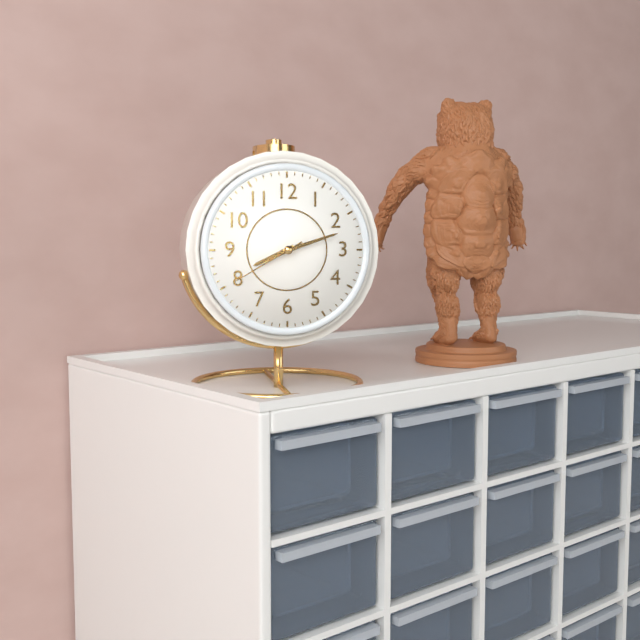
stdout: 8h12m40s
